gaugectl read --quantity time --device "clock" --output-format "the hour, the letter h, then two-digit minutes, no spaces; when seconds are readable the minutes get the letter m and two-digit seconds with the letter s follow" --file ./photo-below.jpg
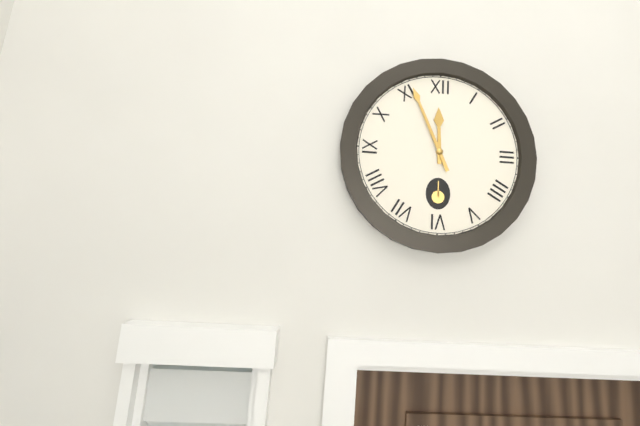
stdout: 11h56
